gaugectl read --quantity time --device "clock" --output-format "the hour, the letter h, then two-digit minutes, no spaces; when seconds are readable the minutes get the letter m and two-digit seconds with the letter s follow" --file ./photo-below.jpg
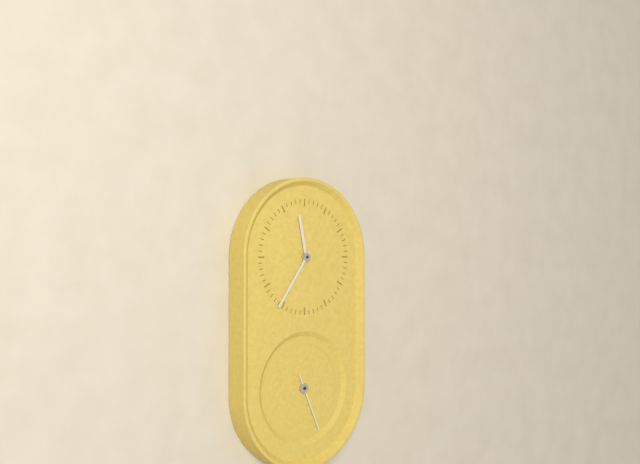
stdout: 11h36m26s
